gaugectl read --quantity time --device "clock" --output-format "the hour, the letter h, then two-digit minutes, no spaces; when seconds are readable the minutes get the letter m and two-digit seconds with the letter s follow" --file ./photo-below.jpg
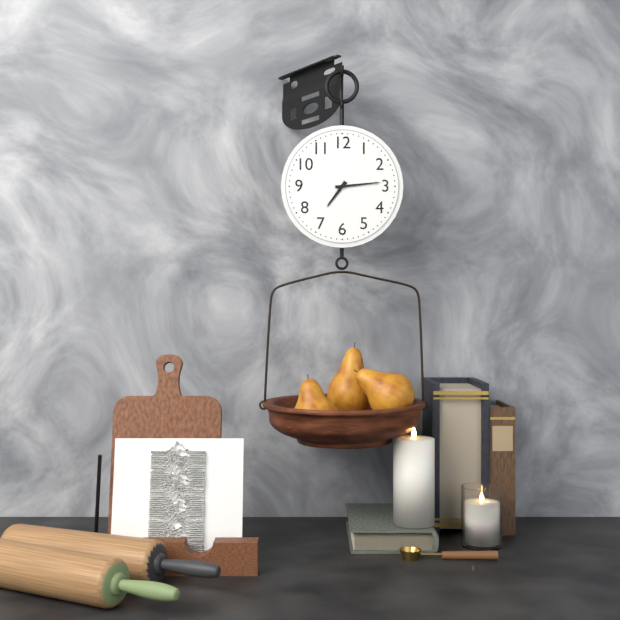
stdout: 7h14
